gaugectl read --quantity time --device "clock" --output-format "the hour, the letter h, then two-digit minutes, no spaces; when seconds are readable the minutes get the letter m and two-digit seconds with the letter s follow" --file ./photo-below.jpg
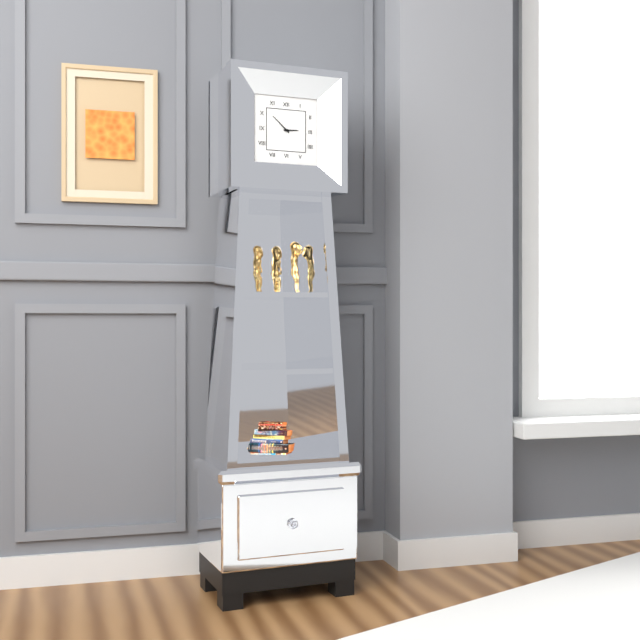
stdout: 2h52
